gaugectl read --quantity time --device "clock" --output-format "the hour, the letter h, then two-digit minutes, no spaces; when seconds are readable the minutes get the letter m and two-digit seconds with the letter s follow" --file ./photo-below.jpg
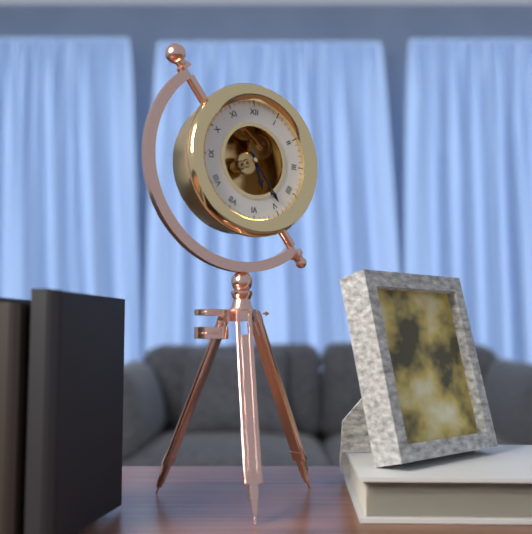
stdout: 5h24
